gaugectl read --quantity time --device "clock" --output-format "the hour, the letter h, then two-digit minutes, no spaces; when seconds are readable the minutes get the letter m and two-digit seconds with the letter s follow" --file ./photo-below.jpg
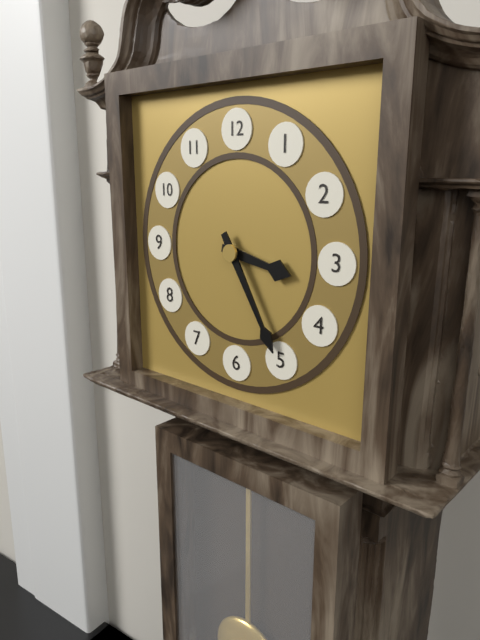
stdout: 3h25
